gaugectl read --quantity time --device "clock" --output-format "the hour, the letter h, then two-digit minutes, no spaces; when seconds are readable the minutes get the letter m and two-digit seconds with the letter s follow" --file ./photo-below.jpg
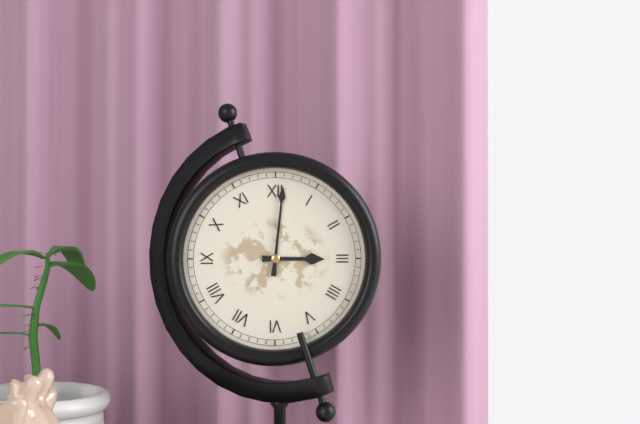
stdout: 3h01
